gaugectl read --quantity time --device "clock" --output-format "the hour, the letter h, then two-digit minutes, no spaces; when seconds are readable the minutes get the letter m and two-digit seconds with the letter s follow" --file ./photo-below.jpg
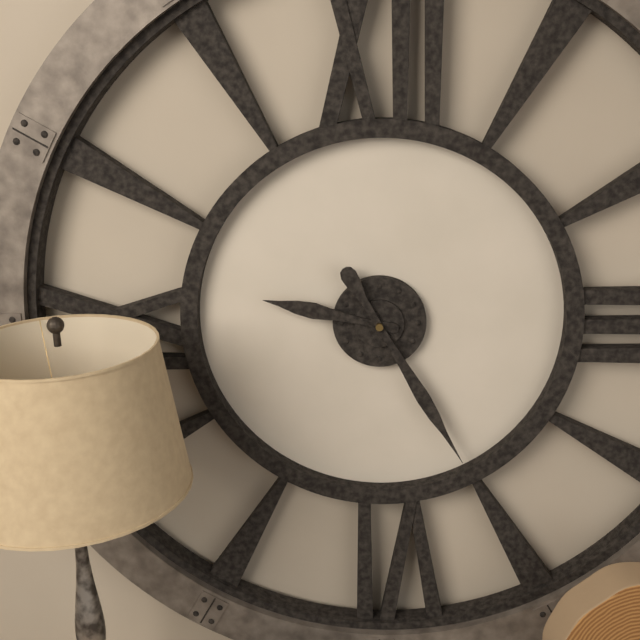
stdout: 9h25
